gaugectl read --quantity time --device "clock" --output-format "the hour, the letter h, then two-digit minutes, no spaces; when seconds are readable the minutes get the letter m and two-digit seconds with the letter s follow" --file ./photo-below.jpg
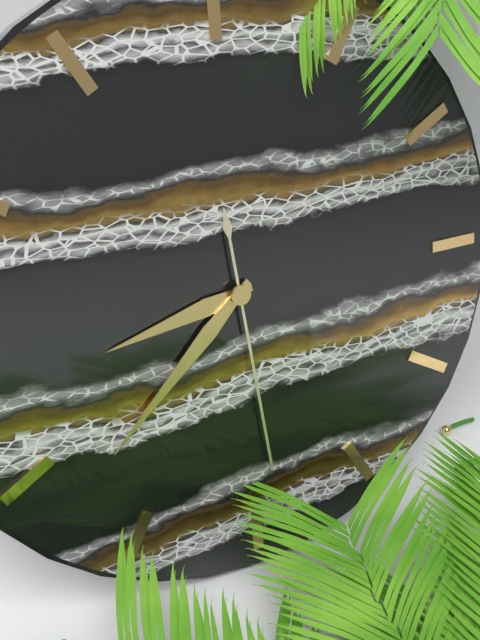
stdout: 8h38m29s
